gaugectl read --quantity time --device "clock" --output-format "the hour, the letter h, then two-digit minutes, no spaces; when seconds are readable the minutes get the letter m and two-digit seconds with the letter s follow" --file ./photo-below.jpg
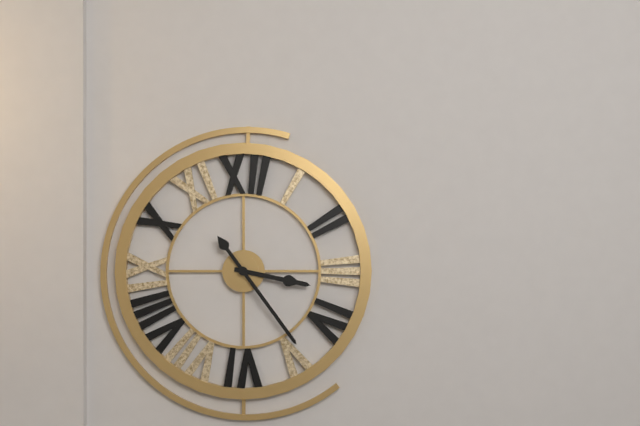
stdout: 3h24
